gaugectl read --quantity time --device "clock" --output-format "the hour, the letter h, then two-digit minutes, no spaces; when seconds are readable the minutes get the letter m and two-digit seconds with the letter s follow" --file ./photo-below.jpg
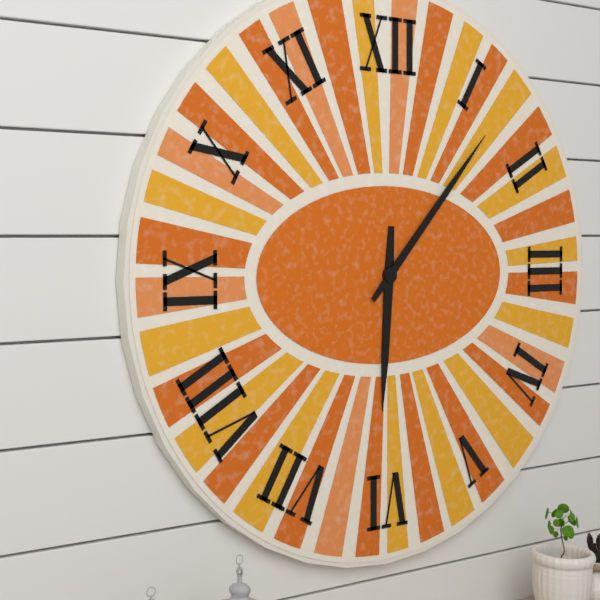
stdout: 6h07
